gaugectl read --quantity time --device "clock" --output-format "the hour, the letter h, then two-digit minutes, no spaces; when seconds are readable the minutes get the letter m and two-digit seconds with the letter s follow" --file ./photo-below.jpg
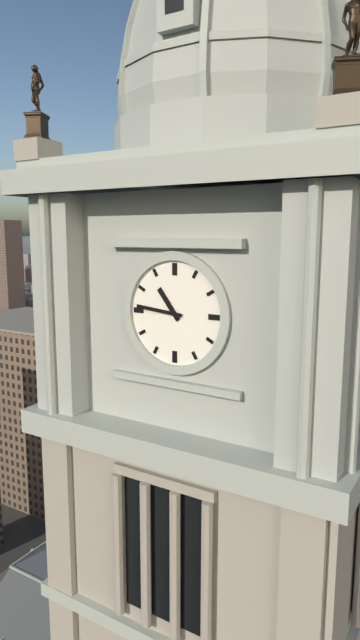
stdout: 10h46
